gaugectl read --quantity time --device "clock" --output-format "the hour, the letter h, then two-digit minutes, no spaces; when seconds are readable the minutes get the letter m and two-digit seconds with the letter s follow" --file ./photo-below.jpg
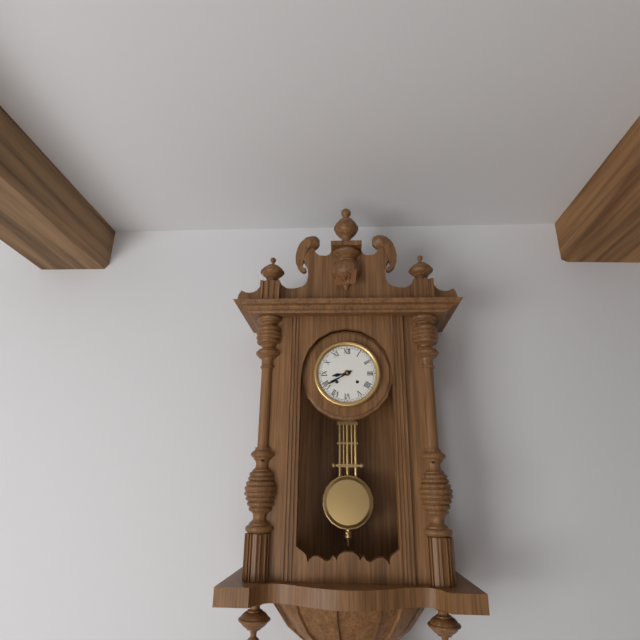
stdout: 8h40
